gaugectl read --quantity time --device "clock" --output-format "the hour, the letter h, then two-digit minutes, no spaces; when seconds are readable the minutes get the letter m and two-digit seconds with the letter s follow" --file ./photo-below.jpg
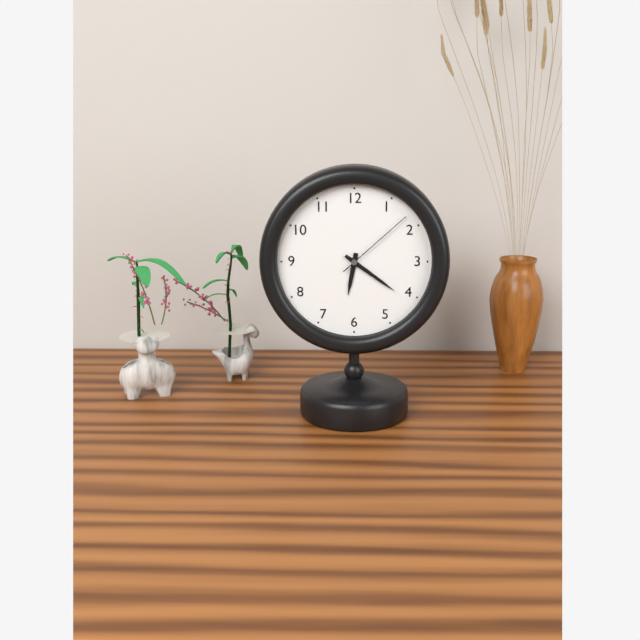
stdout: 6h21m08s
